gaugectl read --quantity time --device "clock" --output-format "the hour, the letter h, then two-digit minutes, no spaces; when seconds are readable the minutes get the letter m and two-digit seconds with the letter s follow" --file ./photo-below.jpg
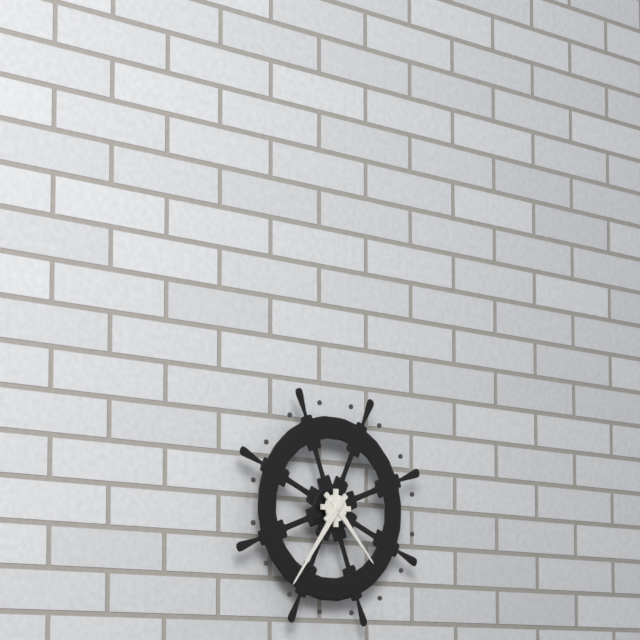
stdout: 4h36
